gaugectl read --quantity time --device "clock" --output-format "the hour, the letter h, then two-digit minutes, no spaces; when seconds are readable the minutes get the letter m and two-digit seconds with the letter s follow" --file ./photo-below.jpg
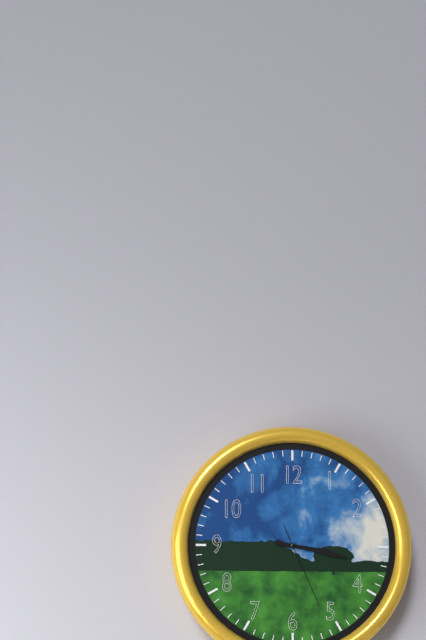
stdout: 3h17m26s
